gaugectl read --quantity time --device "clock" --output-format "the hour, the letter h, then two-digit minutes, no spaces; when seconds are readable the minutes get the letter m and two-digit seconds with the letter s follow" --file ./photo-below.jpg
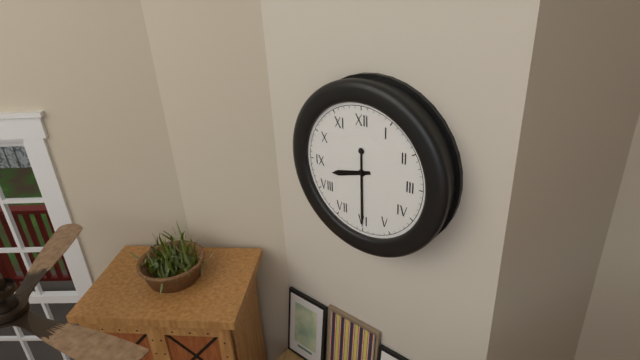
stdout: 8h30
